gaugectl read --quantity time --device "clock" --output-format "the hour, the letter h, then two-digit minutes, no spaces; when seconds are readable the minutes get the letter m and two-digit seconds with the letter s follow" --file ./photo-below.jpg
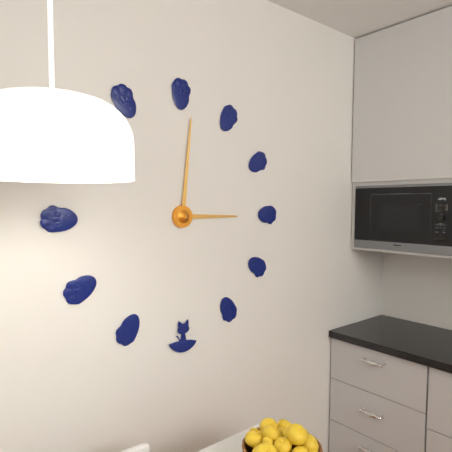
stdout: 3h01
